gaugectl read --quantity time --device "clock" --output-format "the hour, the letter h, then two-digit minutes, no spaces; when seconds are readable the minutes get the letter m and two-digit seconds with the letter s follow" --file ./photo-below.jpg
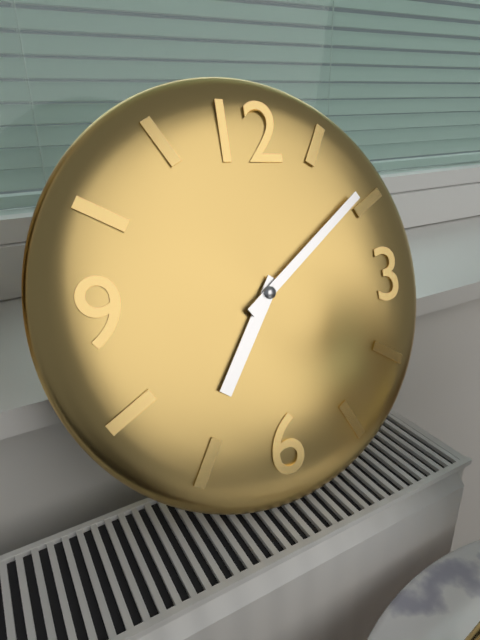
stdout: 7h09
